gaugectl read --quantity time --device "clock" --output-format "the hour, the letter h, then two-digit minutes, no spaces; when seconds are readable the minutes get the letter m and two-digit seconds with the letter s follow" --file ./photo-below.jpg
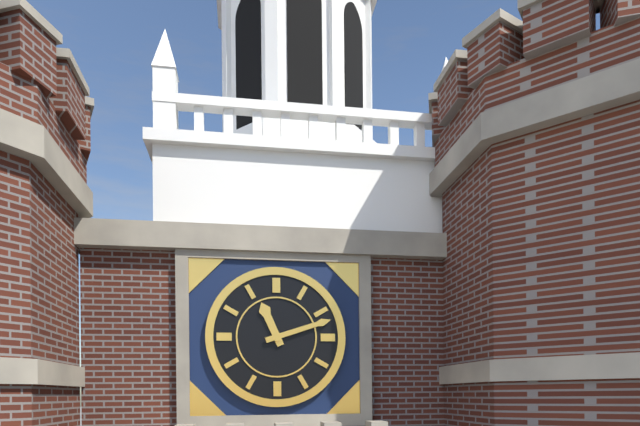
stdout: 11h12
